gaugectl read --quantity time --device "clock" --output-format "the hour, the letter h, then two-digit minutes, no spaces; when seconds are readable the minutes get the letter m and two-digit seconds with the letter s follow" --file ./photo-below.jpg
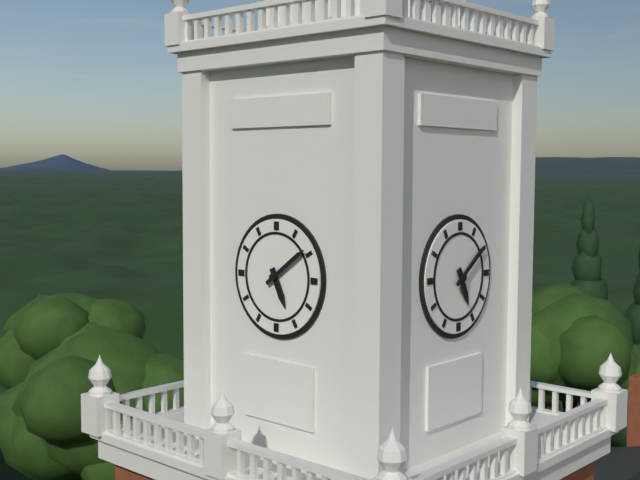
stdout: 5h09
